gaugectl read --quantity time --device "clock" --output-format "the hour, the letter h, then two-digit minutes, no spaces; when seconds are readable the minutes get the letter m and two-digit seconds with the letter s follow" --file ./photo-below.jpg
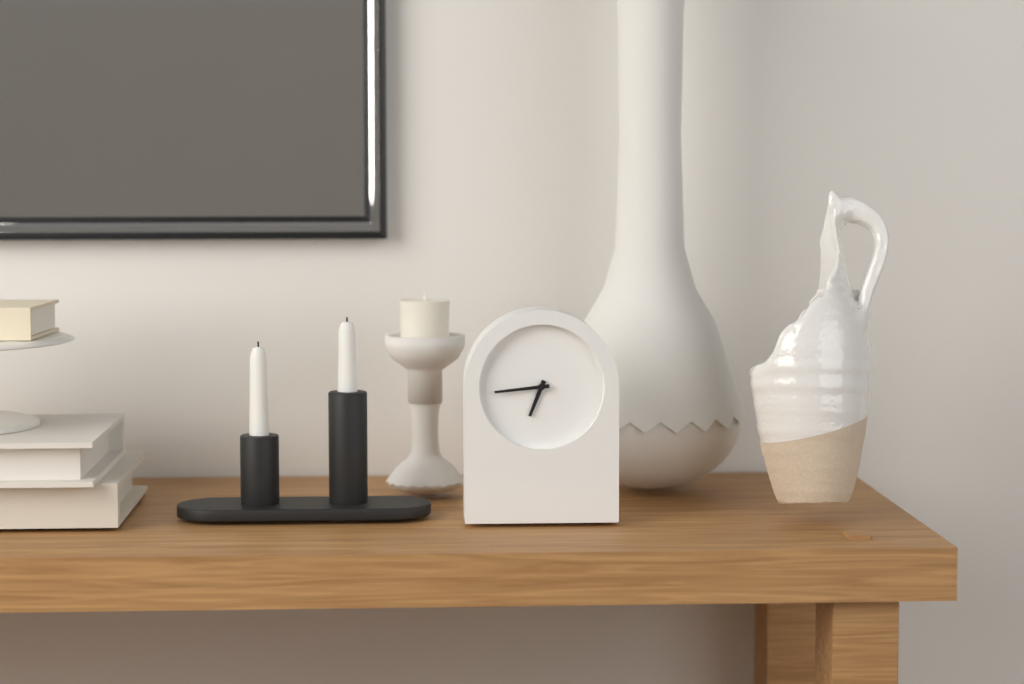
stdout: 6h44
